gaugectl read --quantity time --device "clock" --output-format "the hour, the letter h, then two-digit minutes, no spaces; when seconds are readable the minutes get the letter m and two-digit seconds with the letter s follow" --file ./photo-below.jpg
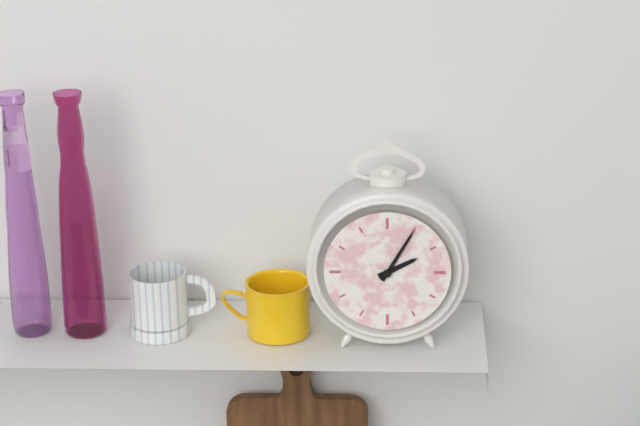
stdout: 2h05
